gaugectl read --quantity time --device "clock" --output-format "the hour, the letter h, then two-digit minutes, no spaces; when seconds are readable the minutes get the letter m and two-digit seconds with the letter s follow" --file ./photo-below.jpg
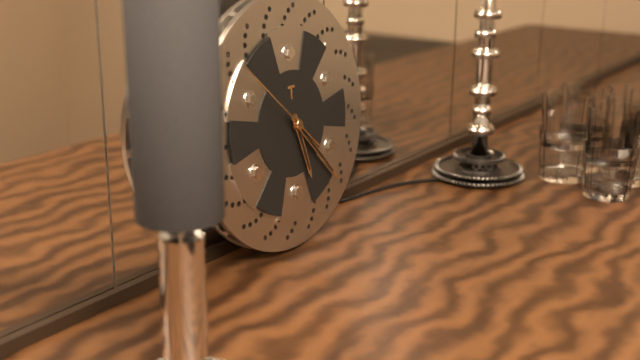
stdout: 5h23m52s
